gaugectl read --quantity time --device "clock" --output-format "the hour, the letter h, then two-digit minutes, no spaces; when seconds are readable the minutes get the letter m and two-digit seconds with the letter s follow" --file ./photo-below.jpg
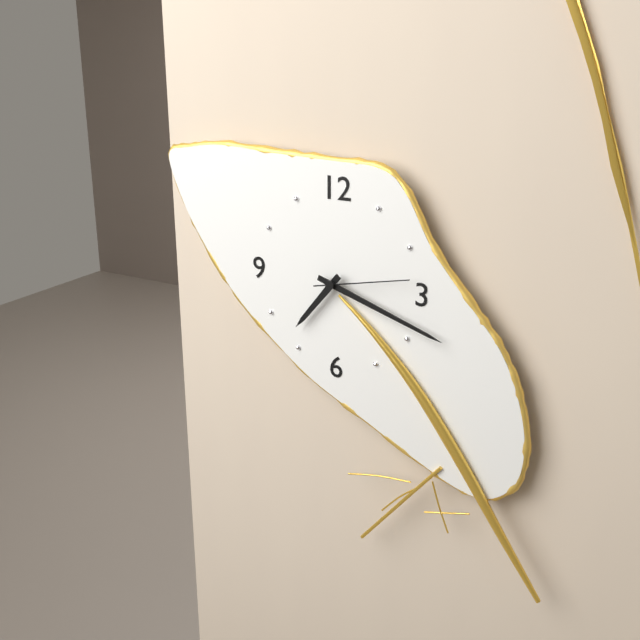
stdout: 7h18m13s
